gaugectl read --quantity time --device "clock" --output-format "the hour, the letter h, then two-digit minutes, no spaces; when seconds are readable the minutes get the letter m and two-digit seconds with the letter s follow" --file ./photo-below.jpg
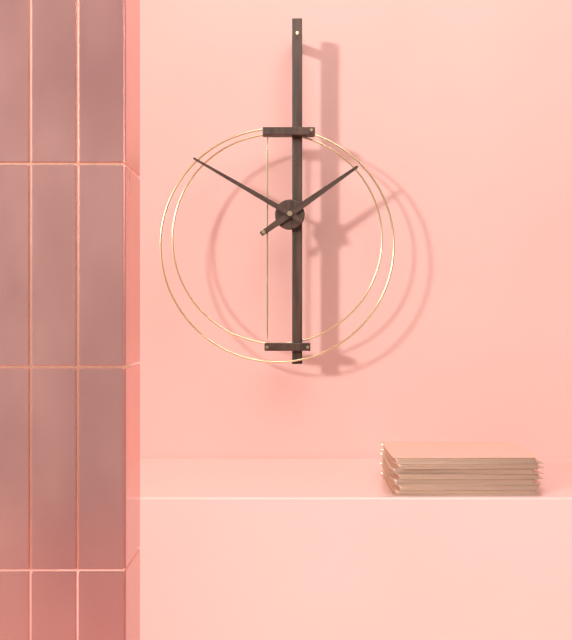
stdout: 1h50
